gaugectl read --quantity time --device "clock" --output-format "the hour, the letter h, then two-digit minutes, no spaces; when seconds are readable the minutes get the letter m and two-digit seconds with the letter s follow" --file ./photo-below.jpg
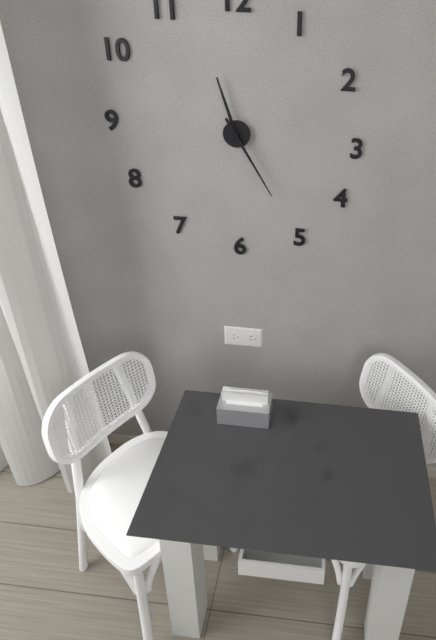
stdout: 11h25
